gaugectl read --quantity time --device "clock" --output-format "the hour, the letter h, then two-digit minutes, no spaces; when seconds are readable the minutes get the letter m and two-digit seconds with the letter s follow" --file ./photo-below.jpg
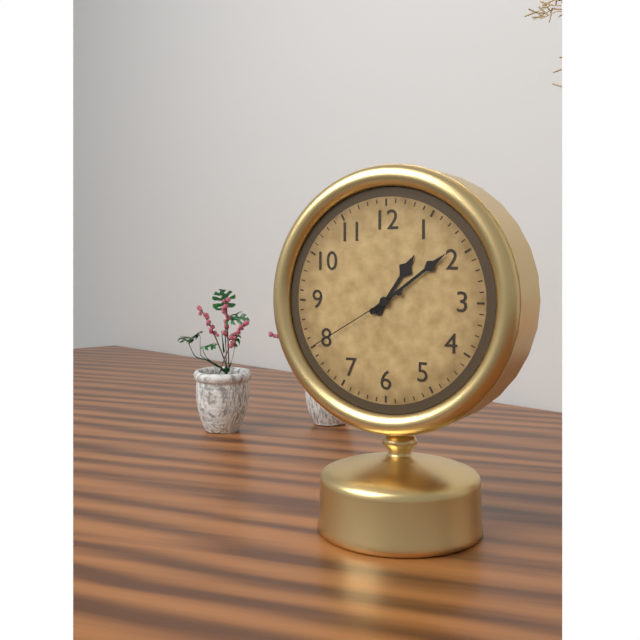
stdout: 1h09m40s
